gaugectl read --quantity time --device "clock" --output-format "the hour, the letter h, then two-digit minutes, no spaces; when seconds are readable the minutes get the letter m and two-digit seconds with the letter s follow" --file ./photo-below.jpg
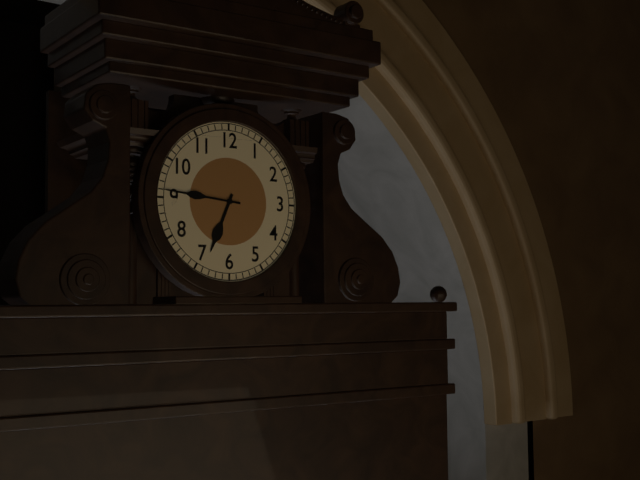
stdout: 6h46
